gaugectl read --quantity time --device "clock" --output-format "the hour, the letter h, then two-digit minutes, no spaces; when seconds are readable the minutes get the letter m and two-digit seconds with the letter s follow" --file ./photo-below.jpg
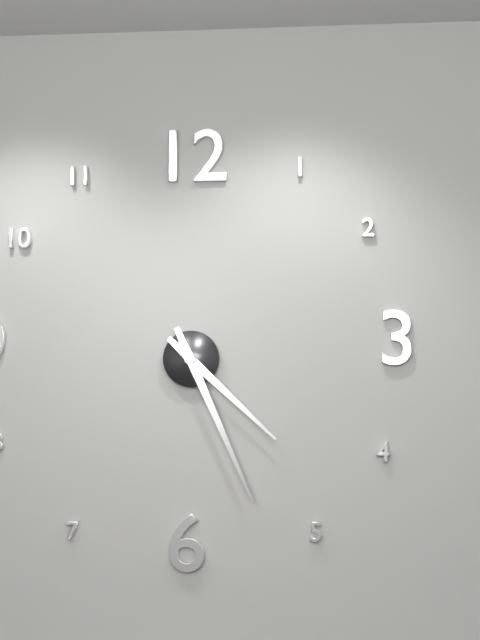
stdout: 4h26
